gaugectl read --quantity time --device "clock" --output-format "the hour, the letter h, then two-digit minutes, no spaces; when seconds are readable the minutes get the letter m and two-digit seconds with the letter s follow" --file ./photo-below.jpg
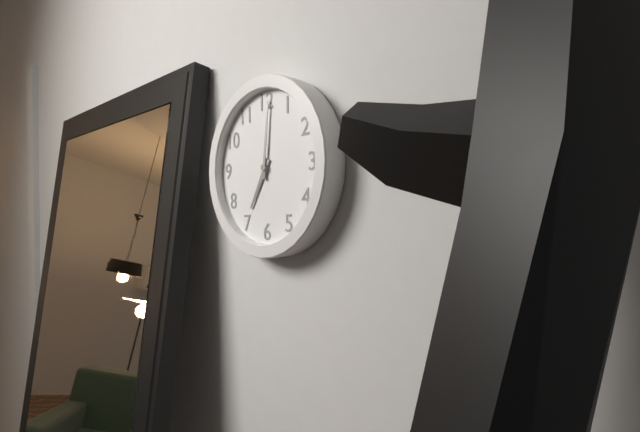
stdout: 7h01
